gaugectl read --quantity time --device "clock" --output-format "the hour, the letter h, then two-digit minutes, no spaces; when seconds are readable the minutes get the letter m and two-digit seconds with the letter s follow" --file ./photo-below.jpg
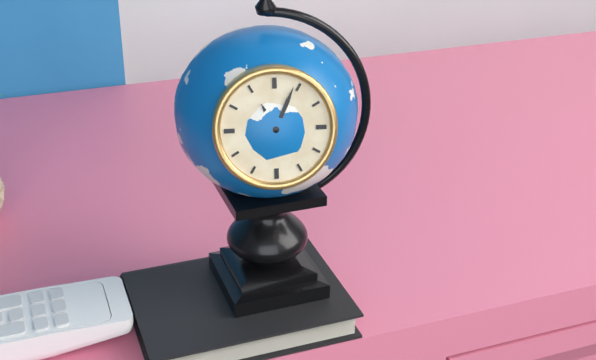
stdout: 11h04
